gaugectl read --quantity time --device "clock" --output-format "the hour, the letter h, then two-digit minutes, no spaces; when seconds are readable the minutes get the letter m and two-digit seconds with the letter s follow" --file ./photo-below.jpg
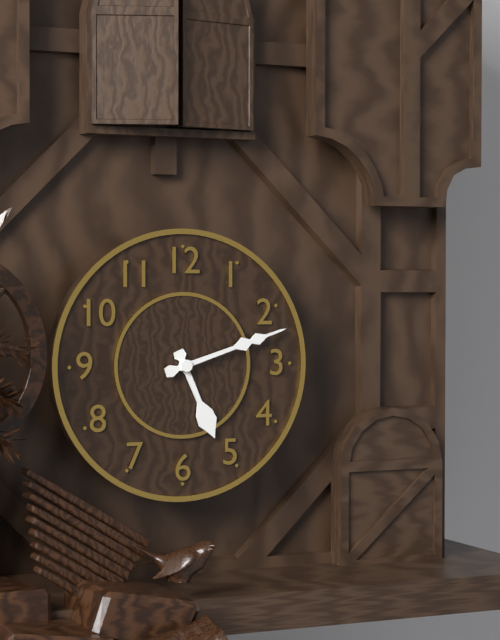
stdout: 5h12
